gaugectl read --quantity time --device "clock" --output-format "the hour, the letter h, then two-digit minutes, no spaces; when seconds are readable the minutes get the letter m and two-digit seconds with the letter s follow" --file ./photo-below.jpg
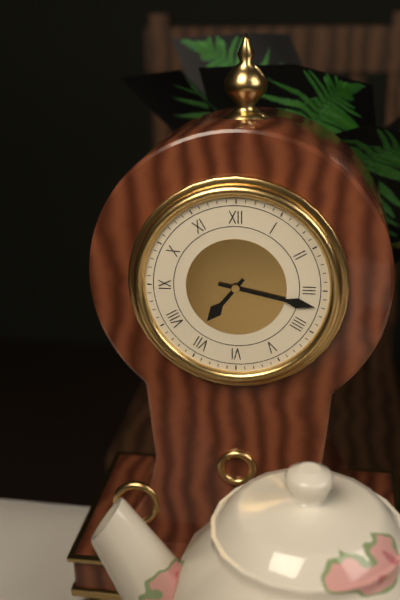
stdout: 7h17
